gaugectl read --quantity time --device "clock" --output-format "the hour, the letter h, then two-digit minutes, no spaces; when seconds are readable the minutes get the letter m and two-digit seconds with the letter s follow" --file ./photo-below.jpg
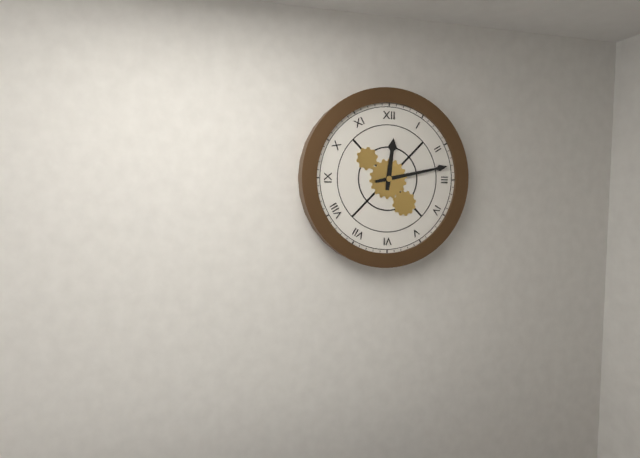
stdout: 12h13
